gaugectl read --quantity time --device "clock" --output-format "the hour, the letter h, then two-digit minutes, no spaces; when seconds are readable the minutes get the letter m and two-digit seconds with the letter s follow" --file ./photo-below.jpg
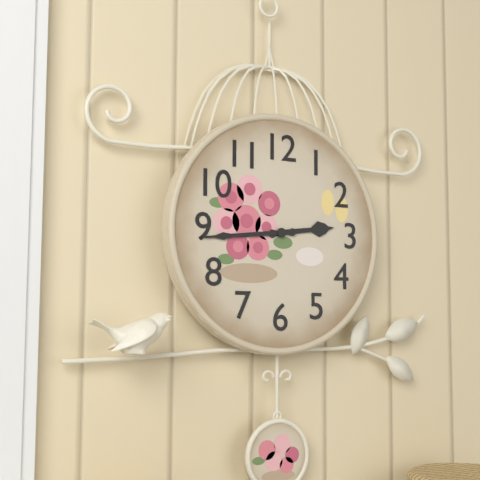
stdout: 2h44
